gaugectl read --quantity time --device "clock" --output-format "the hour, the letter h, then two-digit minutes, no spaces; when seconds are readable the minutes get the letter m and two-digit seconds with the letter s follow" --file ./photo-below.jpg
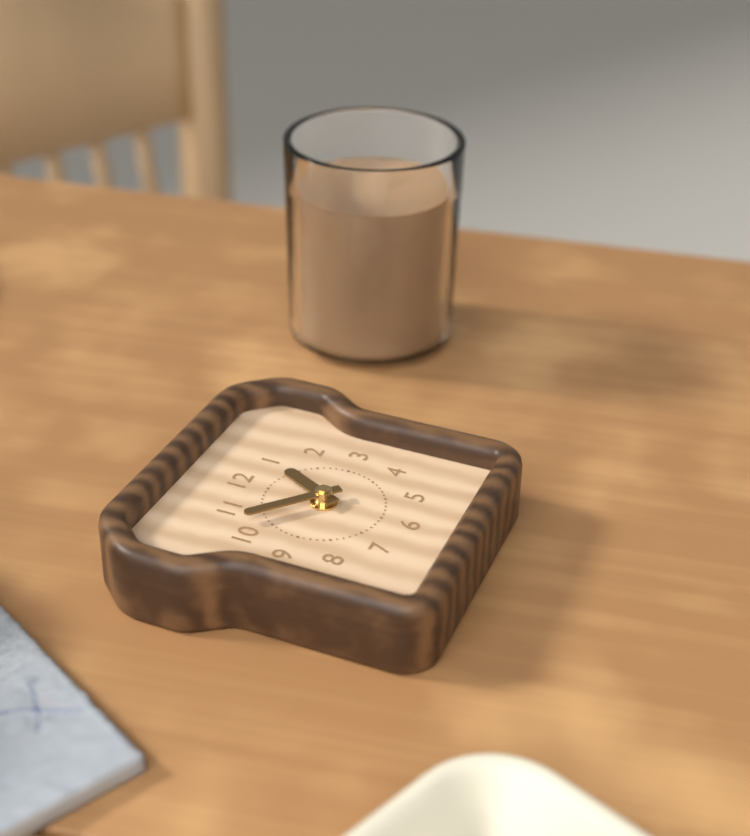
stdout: 12h52
